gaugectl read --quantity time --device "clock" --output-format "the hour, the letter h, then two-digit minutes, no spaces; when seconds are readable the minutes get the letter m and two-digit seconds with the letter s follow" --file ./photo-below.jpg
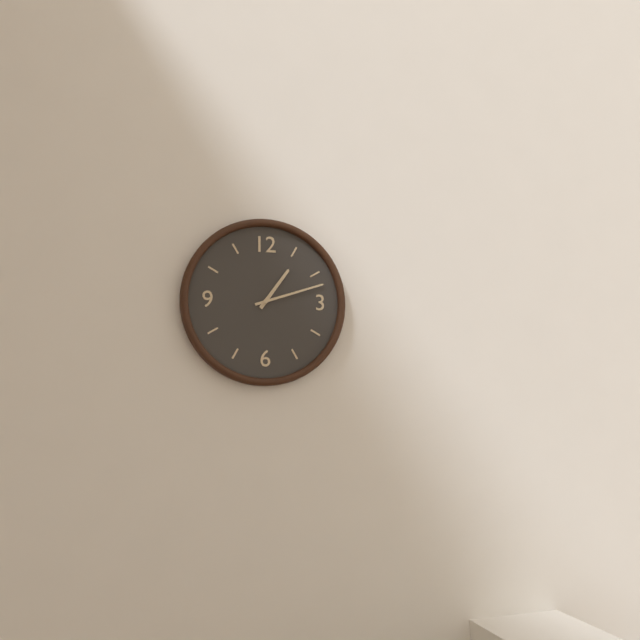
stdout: 1h12
